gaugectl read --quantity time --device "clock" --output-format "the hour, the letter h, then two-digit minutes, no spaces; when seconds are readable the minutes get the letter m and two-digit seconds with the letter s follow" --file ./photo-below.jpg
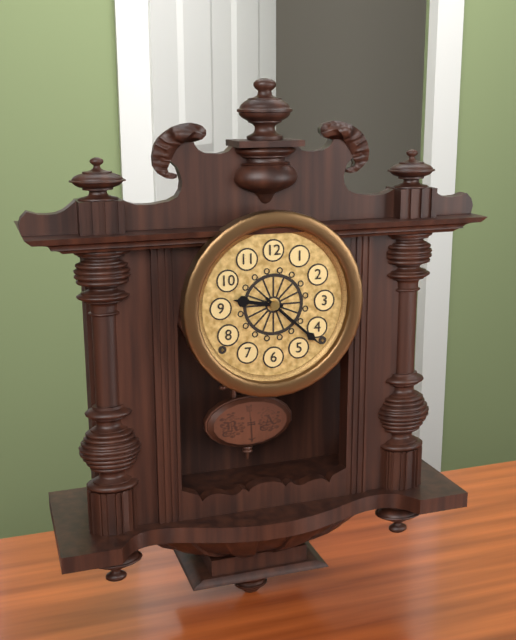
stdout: 9h22
